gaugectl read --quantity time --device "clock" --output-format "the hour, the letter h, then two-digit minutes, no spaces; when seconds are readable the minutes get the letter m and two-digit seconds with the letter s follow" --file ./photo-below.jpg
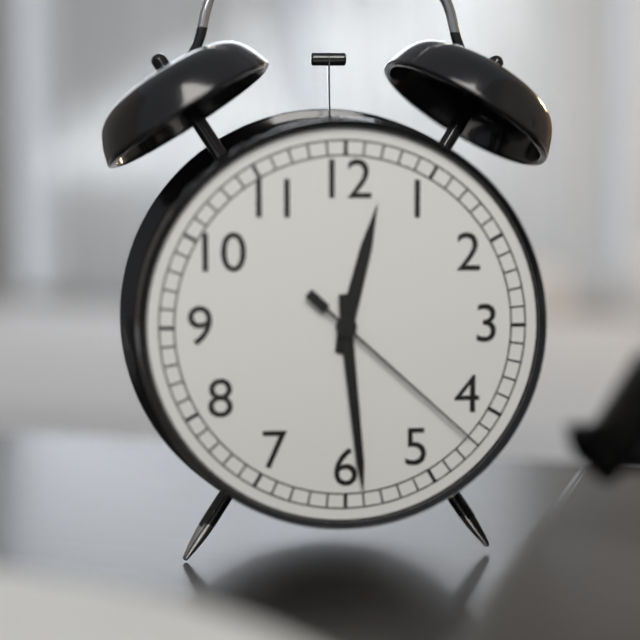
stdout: 12h29m22s
